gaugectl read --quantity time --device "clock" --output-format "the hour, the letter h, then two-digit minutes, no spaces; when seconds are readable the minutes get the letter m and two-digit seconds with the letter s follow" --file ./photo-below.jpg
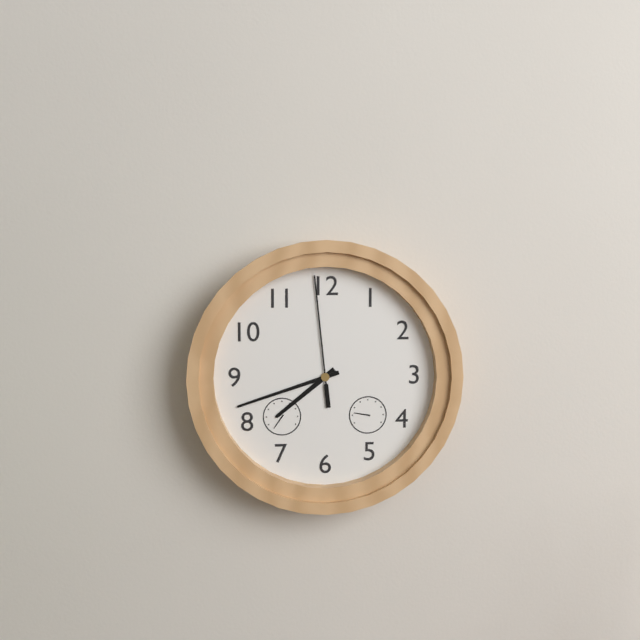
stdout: 7h42m59s
